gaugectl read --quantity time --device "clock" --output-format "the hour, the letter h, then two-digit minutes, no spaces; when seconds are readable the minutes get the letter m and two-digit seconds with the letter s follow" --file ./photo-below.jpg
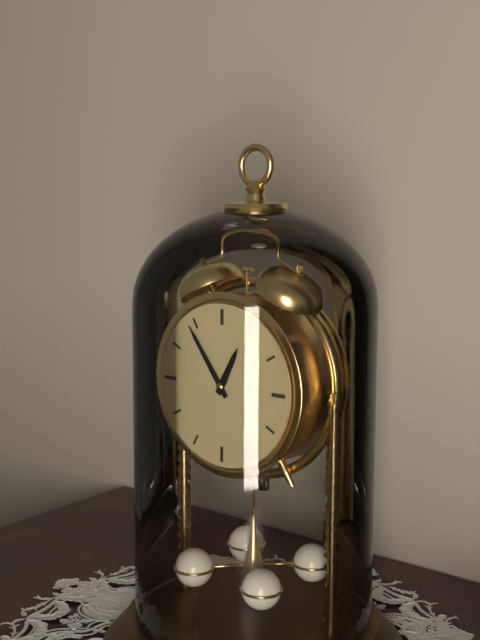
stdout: 12h54
